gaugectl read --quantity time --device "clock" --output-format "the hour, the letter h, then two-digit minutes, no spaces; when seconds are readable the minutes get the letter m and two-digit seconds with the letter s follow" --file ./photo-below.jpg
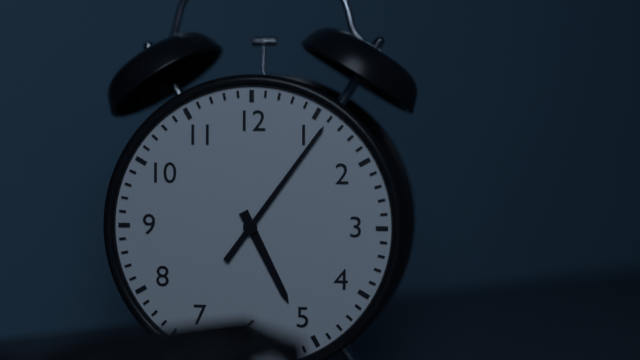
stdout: 5h06
